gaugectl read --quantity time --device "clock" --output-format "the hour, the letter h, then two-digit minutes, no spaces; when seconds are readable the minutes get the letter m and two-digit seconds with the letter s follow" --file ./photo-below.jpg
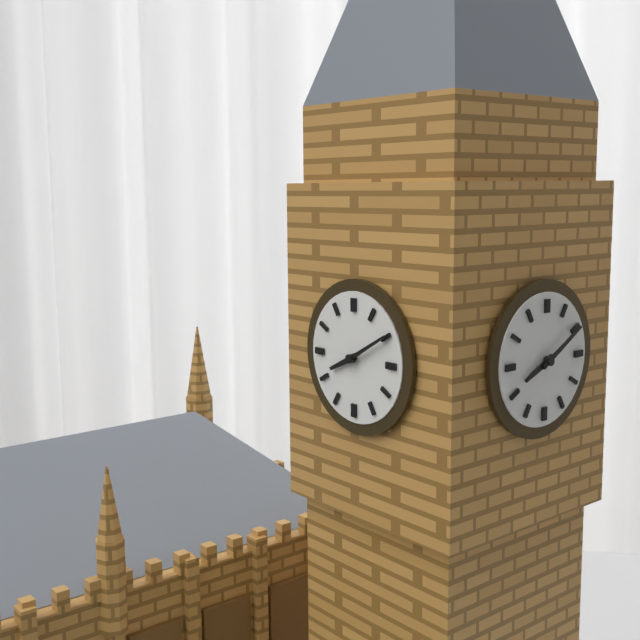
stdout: 8h10
